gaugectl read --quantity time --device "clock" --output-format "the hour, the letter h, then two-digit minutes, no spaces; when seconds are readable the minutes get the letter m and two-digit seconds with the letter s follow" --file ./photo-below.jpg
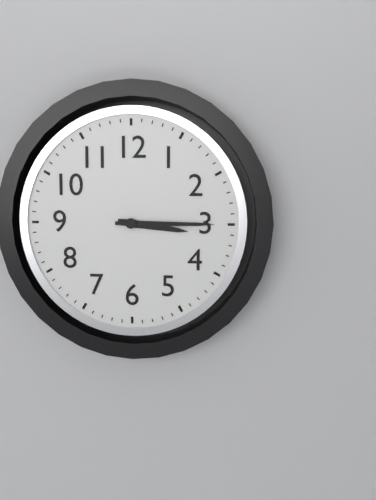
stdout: 3h15
